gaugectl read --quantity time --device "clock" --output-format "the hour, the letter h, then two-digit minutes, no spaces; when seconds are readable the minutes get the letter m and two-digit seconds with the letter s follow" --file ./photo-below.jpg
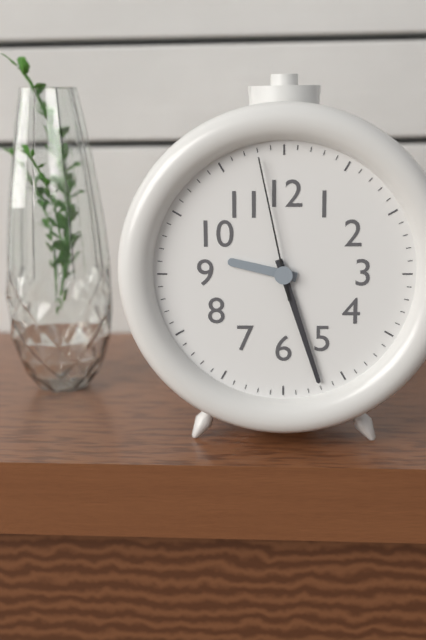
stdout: 9h27m58s
